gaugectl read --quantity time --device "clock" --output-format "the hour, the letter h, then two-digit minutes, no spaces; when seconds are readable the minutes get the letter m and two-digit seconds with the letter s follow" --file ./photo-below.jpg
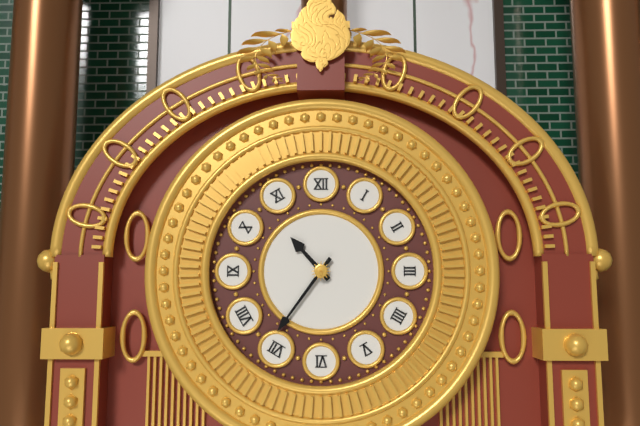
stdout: 10h36
